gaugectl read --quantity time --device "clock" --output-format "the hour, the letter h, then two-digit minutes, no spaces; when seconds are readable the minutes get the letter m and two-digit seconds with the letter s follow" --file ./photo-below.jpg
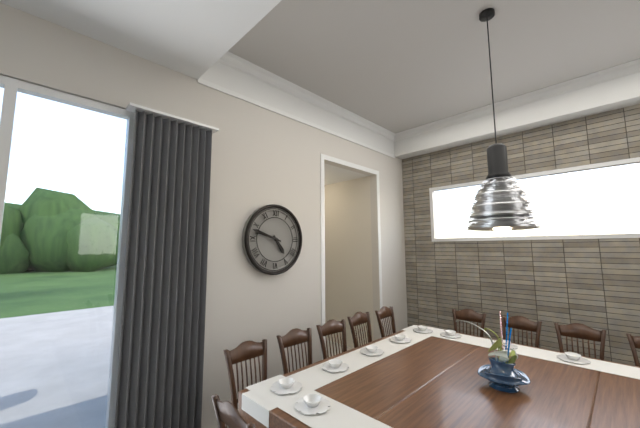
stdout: 4h48
